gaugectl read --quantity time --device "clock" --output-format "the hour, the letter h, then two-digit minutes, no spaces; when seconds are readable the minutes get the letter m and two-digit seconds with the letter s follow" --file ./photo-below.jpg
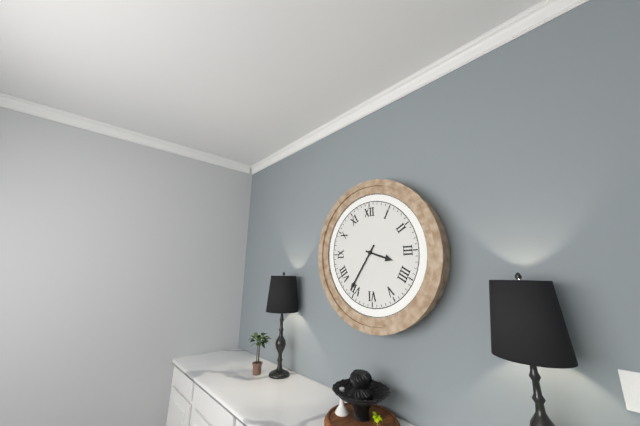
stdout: 3h36
